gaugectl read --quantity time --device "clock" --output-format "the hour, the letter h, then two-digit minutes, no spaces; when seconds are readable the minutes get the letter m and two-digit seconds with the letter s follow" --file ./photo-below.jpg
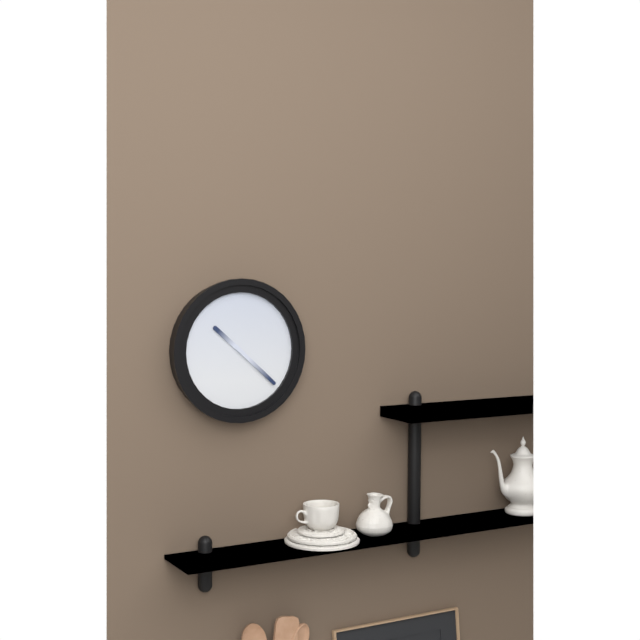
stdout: 10h22
